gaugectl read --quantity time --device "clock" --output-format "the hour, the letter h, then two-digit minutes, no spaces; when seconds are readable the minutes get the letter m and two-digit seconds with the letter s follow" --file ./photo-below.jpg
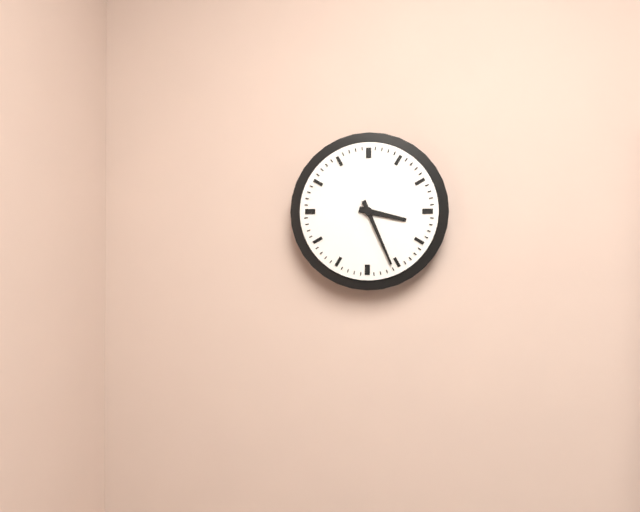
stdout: 3h26
